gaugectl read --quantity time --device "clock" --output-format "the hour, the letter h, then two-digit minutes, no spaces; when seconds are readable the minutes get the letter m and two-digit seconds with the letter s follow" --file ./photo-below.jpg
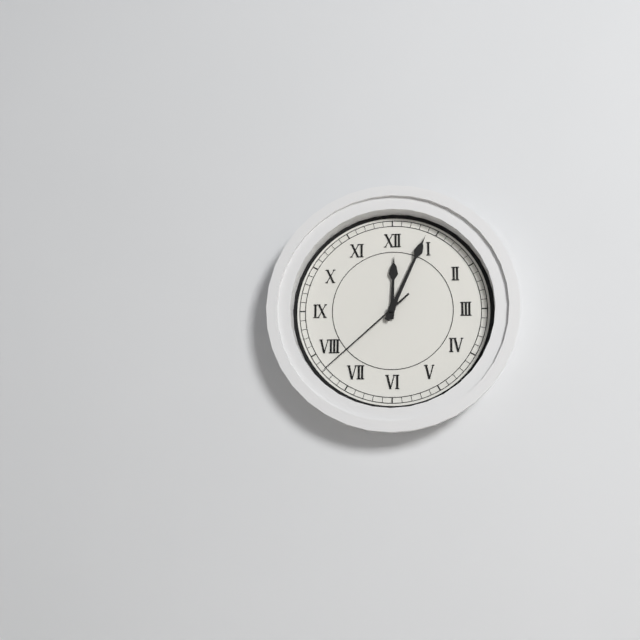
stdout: 12h04m38s
